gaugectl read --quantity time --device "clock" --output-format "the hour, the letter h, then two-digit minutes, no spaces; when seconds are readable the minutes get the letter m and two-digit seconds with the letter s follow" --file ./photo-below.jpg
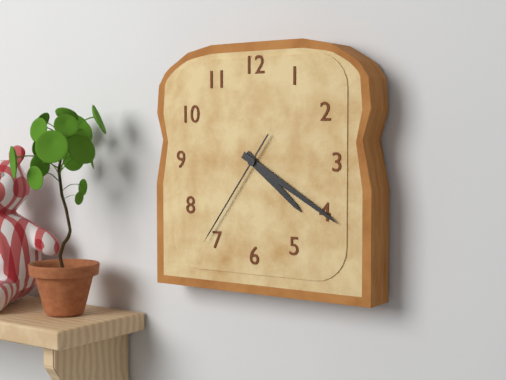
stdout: 4h20m36s
